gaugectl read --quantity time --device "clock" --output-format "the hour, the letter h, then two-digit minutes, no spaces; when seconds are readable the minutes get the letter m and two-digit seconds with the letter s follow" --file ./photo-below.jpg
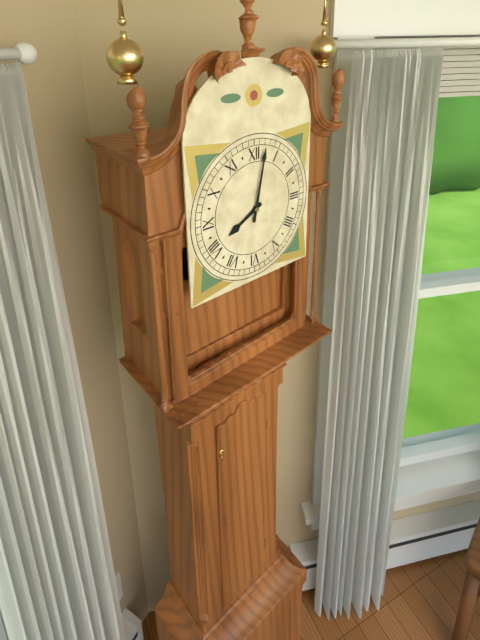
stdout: 8h02
